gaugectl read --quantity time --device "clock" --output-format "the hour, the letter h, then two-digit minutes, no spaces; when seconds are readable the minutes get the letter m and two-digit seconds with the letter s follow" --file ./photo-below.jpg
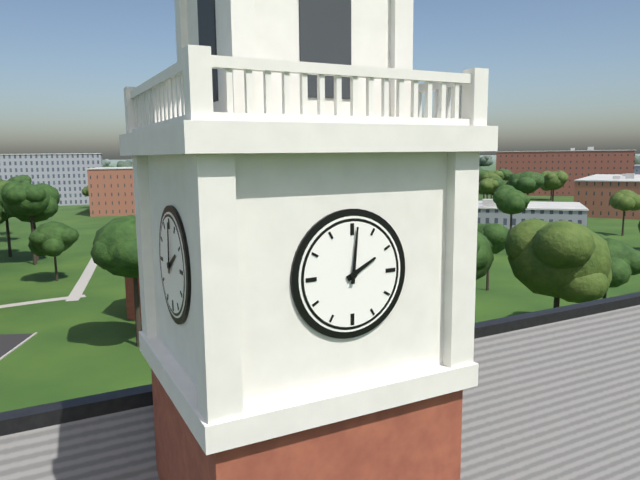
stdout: 2h01
